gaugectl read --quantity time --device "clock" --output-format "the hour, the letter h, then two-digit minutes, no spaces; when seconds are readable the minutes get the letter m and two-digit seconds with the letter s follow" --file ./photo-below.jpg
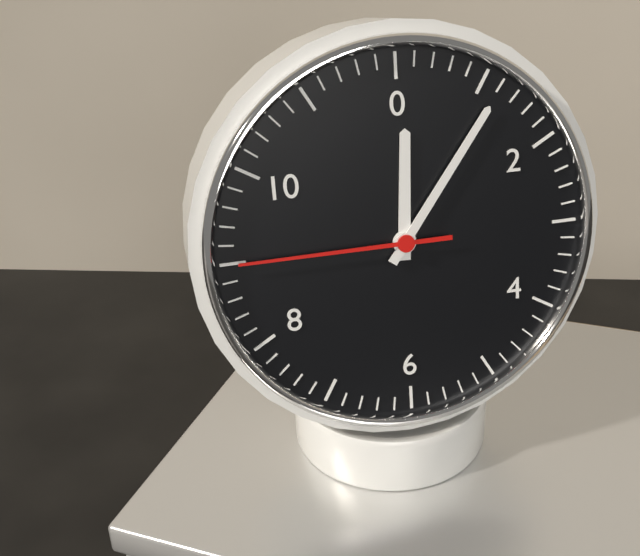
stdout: 12h06m45s
